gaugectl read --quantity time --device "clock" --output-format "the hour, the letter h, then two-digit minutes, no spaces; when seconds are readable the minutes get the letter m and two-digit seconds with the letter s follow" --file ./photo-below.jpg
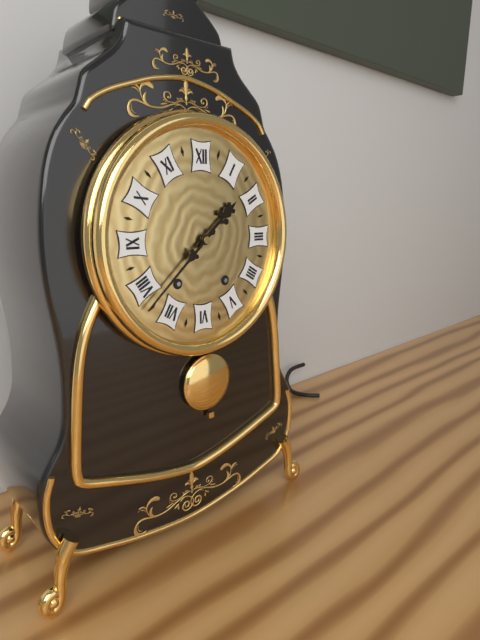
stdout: 1h38
